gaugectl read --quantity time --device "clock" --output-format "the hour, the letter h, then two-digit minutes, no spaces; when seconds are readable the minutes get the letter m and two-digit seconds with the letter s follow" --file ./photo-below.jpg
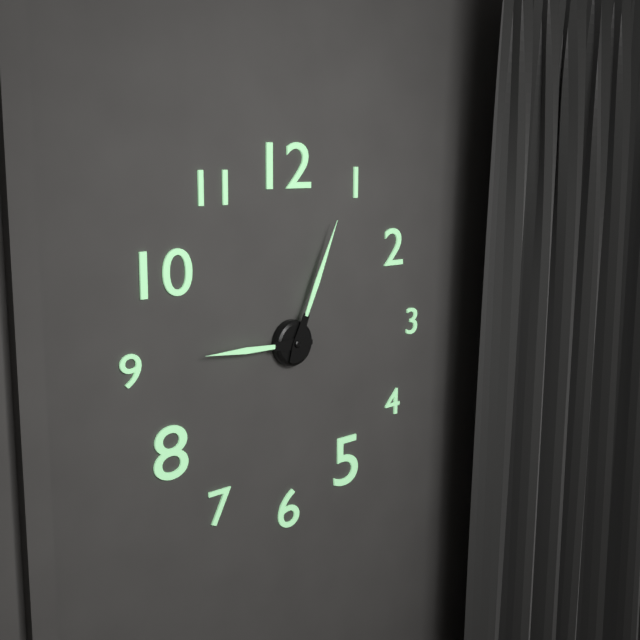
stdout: 9h04
